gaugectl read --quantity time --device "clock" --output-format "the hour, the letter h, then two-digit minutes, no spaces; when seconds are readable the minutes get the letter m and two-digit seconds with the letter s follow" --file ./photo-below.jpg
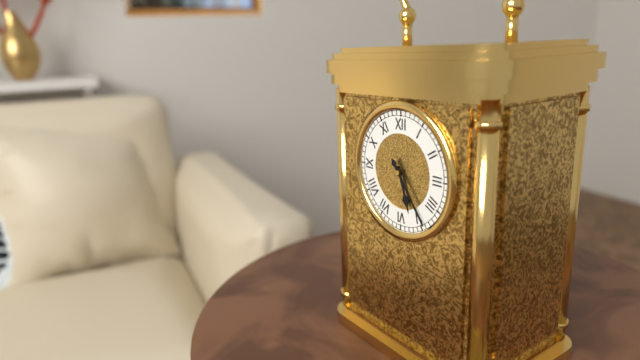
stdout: 5h24
